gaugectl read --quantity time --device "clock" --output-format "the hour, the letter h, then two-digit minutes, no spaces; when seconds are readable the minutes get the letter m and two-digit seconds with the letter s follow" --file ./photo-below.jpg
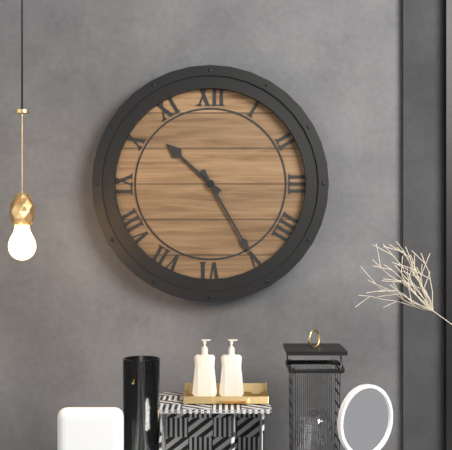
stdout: 10h25
